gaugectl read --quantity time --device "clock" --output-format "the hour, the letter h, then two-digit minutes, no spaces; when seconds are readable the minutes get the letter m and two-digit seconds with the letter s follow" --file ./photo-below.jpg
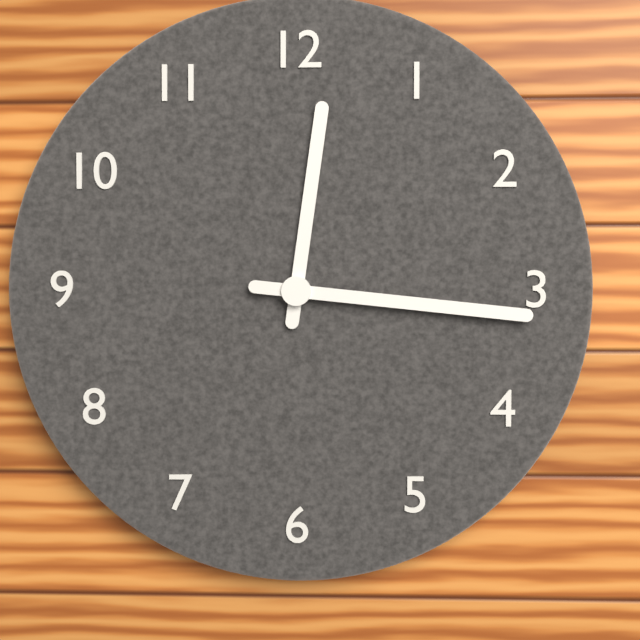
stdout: 12h16
